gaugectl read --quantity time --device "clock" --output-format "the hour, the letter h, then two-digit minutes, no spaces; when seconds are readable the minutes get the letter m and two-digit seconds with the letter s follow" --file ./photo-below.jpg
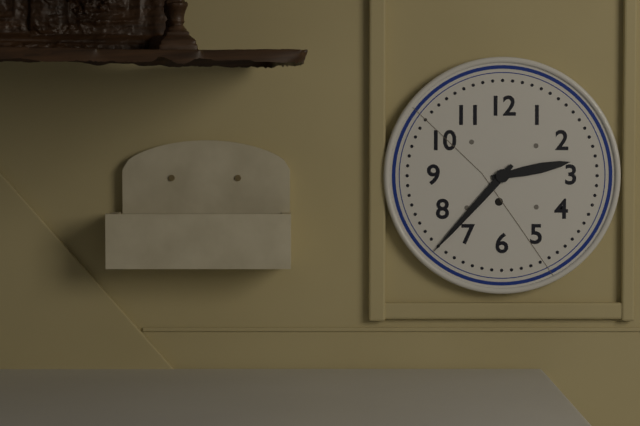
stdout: 2h37
